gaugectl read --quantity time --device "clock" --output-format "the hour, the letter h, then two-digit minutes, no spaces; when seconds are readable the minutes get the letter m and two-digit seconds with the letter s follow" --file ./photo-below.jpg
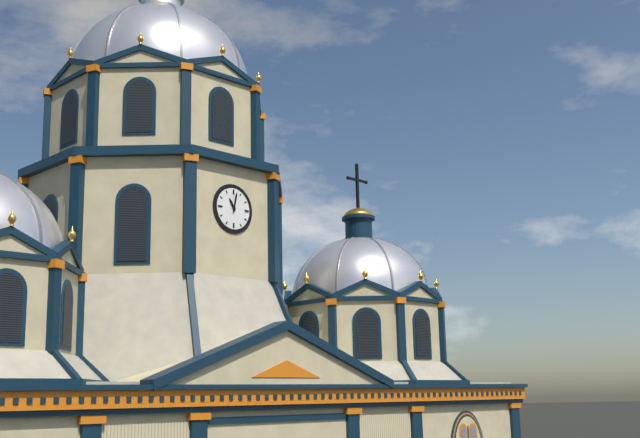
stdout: 11h02
